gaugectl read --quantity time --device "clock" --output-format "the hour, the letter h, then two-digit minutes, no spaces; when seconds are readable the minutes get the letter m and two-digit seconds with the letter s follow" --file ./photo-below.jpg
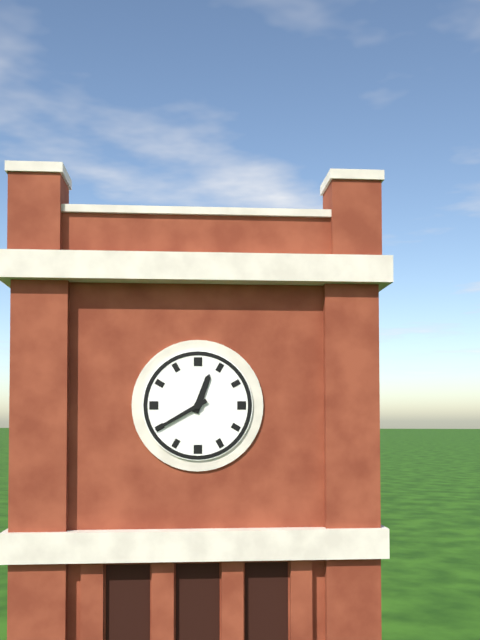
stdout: 12h40
